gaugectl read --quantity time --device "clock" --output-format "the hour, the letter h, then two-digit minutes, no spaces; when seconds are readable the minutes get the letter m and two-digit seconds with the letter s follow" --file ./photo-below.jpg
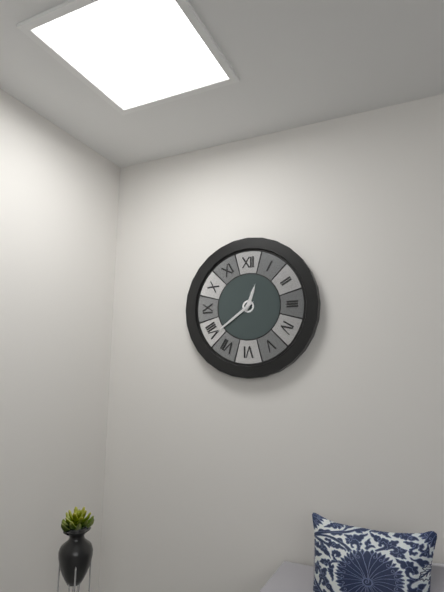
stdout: 12h39
